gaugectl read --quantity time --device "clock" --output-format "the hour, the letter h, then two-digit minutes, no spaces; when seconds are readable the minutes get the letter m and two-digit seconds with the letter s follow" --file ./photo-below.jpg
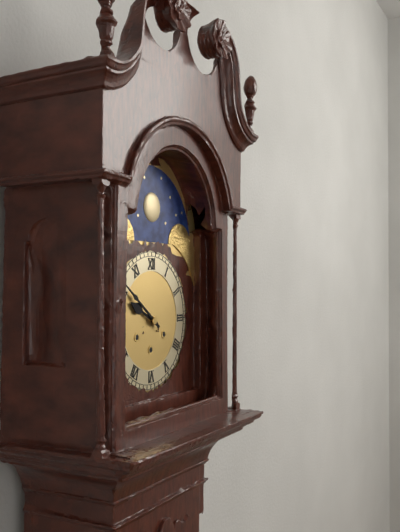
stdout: 9h51
